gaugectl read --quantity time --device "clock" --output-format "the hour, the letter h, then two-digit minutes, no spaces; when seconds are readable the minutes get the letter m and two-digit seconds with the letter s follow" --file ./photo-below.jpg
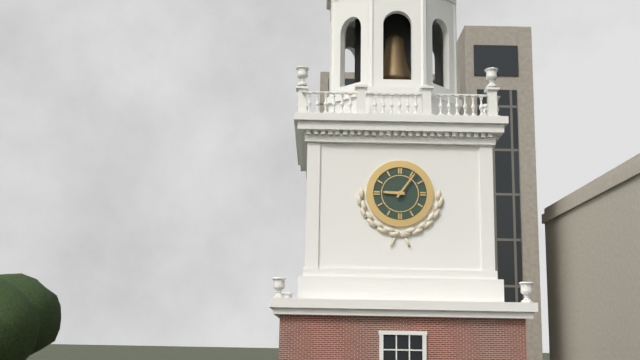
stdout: 9h06
